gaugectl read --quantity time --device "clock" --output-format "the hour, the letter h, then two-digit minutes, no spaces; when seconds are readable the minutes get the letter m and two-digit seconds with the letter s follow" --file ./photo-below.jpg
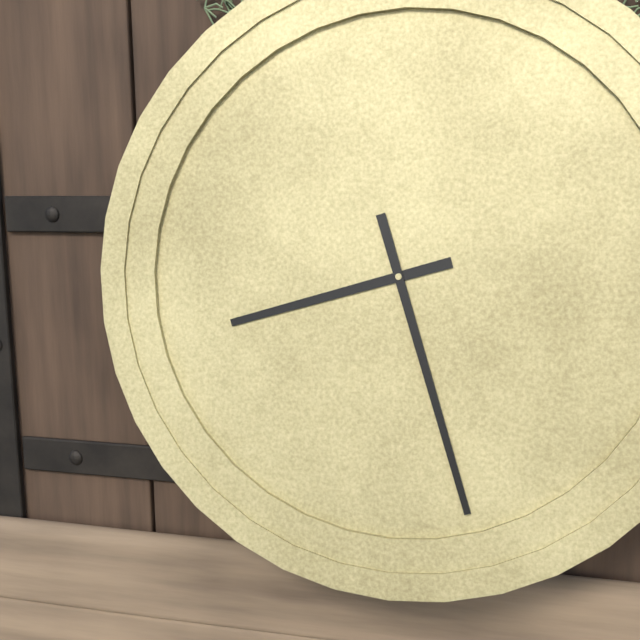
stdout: 8h27
